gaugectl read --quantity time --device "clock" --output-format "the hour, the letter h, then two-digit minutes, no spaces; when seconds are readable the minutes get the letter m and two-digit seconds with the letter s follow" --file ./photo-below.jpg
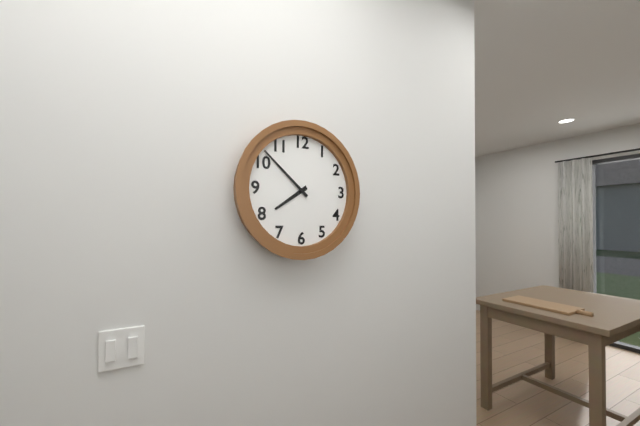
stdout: 7h52
